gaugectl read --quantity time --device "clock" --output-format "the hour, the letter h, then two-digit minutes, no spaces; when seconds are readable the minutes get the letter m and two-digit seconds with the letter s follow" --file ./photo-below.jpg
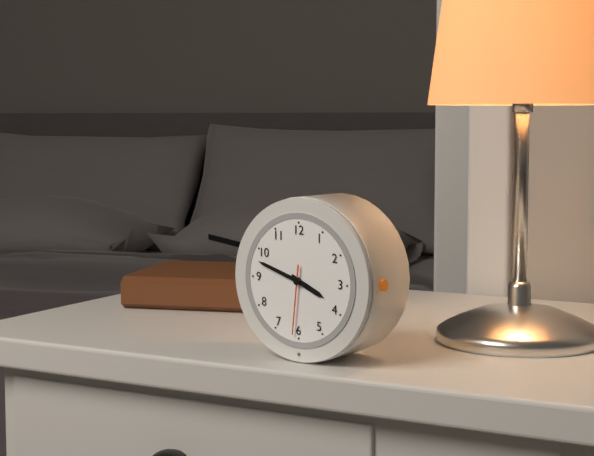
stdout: 3h48m31s
